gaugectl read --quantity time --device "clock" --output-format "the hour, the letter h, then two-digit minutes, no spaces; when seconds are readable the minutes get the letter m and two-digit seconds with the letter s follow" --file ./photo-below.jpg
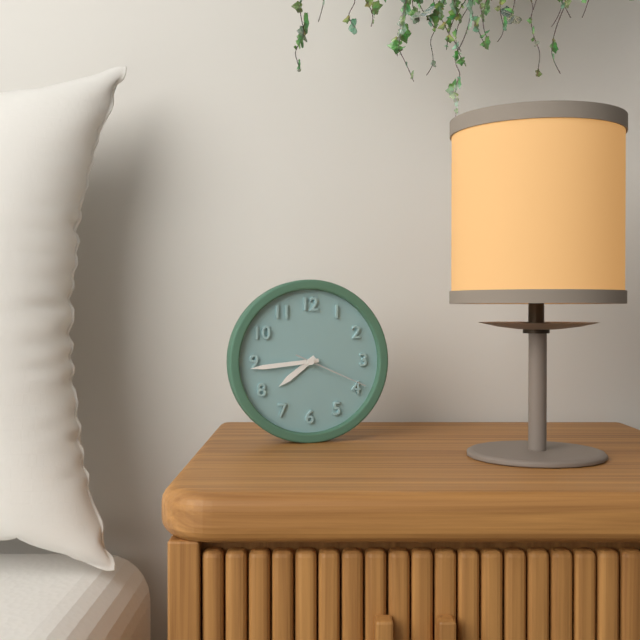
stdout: 7h44m19s
